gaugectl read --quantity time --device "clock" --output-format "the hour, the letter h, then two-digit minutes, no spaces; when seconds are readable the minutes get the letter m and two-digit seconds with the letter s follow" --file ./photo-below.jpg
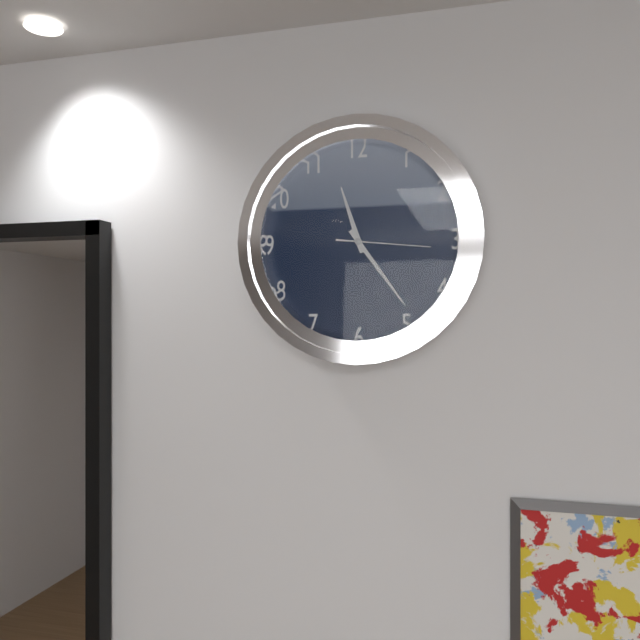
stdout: 11h24m16s
